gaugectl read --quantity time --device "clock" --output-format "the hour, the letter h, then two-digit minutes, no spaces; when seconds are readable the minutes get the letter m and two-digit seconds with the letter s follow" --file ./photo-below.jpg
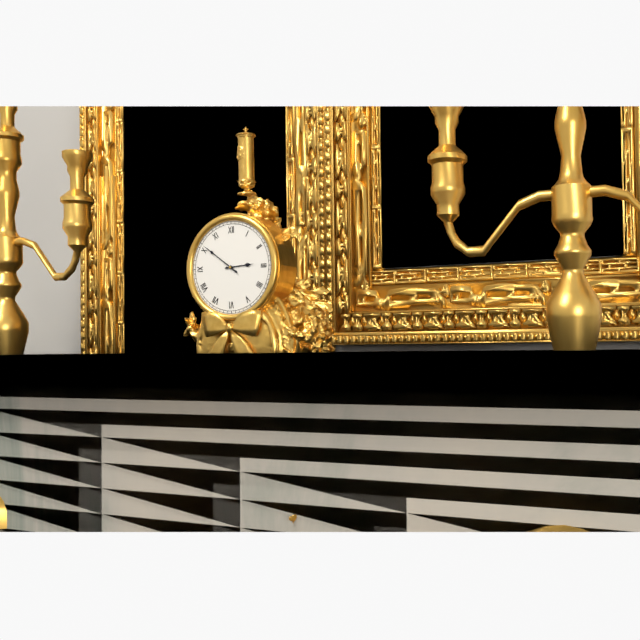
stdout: 2h51
